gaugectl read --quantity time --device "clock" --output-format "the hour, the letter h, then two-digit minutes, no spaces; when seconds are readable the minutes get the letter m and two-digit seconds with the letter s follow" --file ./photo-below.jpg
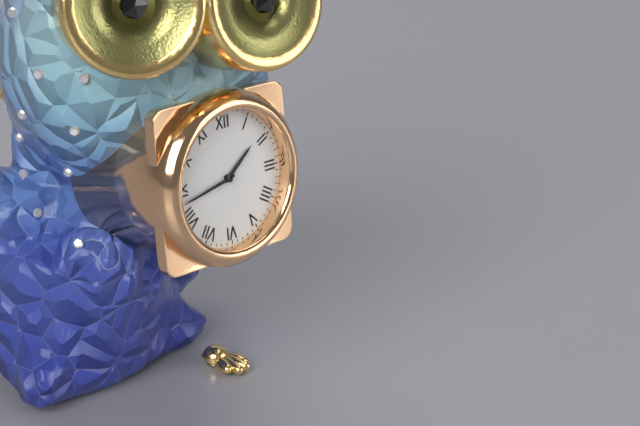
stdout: 1h43
